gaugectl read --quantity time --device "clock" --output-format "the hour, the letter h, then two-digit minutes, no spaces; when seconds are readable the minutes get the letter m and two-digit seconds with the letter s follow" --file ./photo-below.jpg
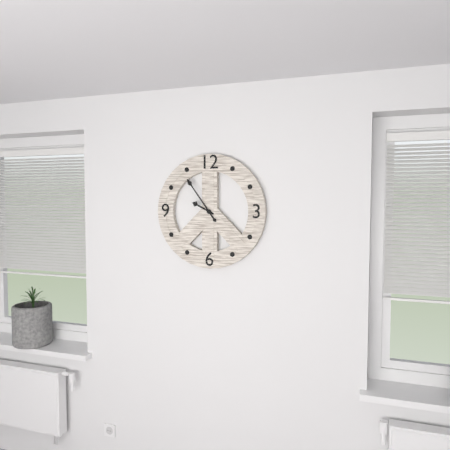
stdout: 9h54
